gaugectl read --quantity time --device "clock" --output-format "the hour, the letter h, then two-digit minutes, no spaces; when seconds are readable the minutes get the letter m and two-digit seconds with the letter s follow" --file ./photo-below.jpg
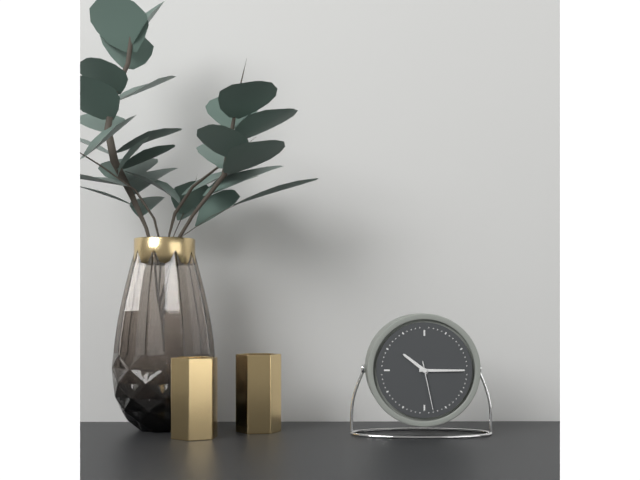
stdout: 10h15m28s
